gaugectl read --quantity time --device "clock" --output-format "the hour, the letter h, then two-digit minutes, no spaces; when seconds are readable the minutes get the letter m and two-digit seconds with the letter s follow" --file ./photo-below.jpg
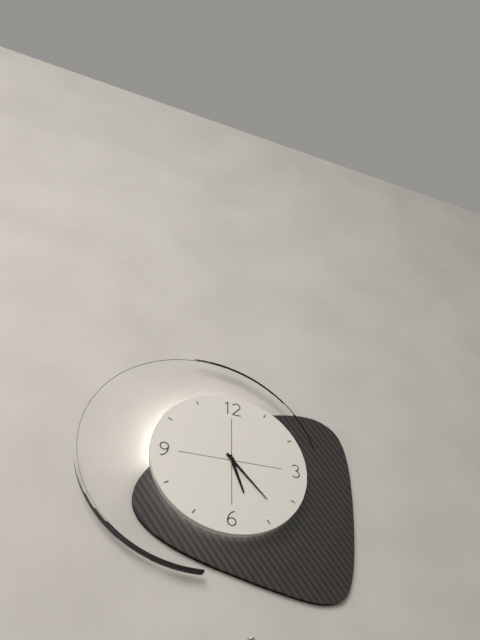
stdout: 5h23
